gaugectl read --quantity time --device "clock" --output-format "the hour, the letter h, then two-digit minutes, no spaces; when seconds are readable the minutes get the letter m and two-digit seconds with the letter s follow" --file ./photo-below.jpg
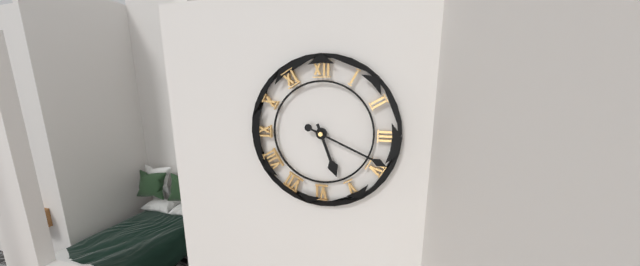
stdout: 5h19
